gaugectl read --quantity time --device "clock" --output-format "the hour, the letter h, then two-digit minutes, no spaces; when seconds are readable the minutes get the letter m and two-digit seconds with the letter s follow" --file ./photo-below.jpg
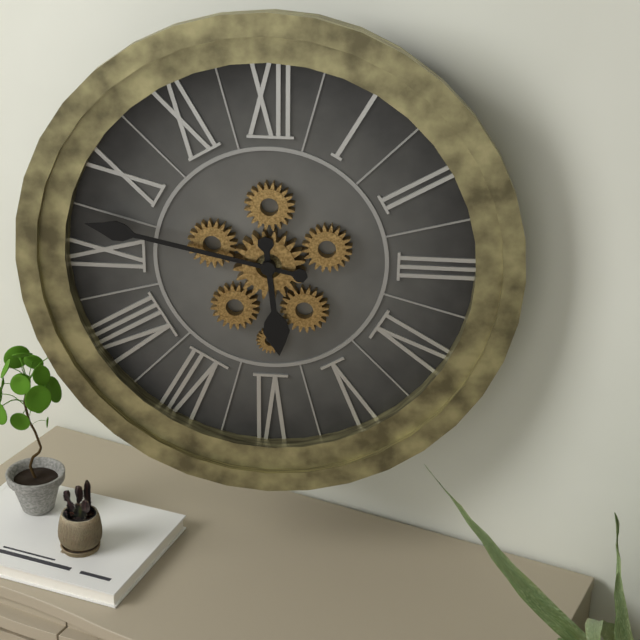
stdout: 5h47
